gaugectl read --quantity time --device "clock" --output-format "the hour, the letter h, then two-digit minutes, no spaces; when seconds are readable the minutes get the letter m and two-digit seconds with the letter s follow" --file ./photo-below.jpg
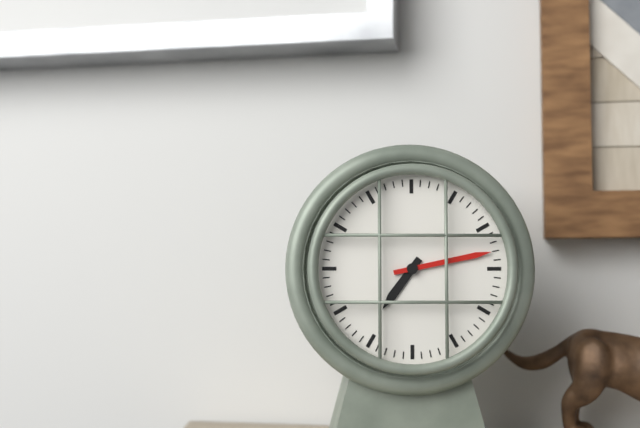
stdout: 7h13
